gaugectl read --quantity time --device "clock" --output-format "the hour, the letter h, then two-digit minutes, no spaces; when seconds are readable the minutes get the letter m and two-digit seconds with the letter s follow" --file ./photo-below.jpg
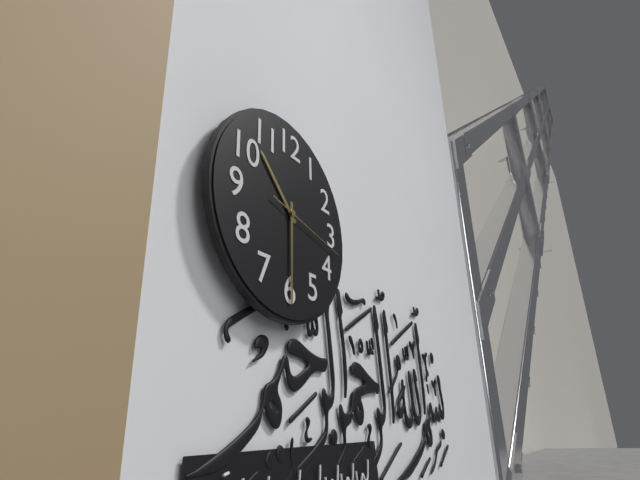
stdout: 10h30m17s
